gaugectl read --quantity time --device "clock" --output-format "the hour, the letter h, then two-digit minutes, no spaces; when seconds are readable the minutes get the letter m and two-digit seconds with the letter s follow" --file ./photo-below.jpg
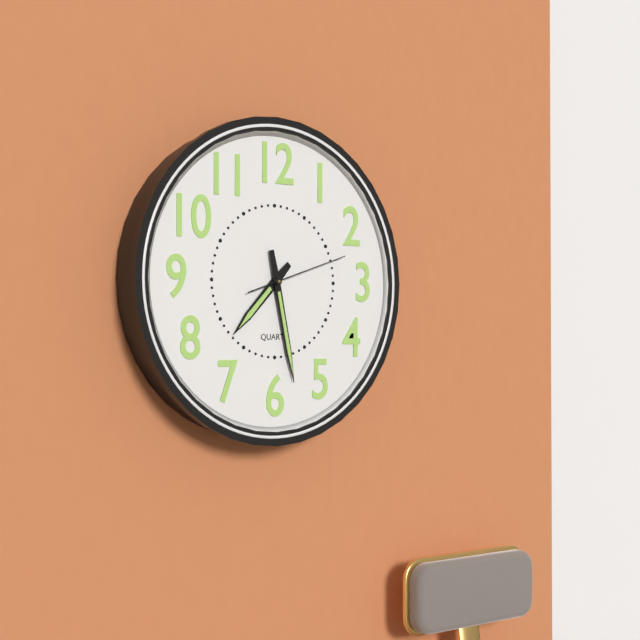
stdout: 7h28m12s
